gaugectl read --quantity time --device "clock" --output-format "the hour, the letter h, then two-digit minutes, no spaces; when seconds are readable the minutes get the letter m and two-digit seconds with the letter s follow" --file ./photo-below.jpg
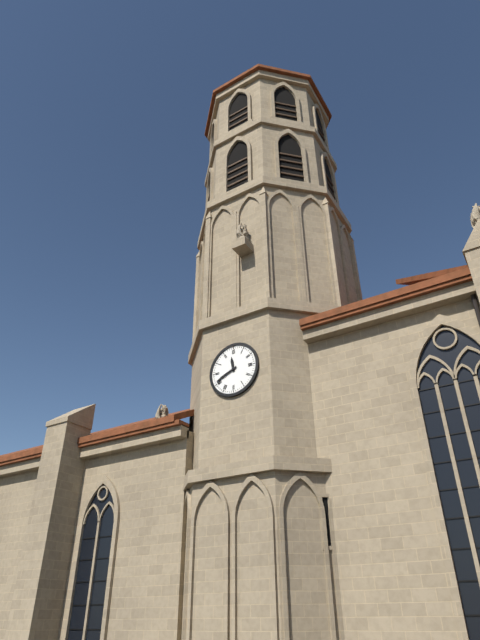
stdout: 11h41
